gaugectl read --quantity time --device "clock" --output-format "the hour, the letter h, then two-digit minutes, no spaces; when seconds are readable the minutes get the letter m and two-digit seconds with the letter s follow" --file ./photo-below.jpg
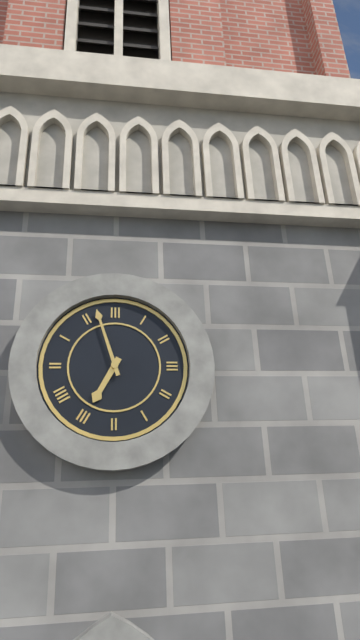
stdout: 6h57
